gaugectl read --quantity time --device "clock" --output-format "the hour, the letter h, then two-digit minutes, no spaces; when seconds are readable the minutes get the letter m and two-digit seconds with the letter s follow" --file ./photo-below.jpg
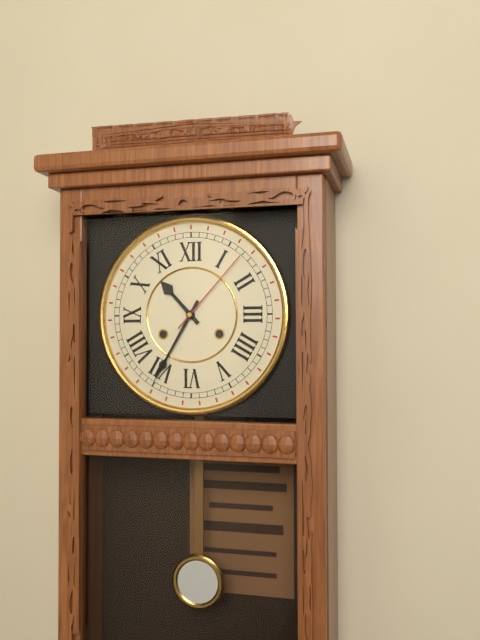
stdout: 10h35m07s
